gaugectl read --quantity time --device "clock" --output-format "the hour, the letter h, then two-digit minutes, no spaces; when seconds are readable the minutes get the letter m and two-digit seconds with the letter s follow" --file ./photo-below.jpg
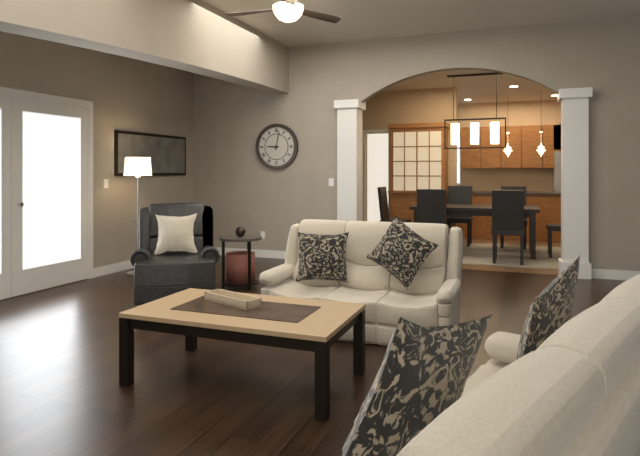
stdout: 9h02
